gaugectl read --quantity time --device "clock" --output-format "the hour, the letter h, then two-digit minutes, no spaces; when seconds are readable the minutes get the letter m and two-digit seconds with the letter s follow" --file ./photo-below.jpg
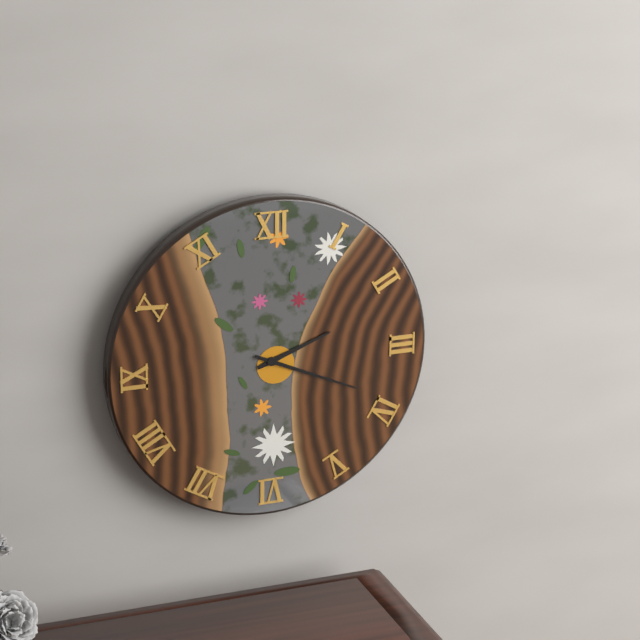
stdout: 2h19
